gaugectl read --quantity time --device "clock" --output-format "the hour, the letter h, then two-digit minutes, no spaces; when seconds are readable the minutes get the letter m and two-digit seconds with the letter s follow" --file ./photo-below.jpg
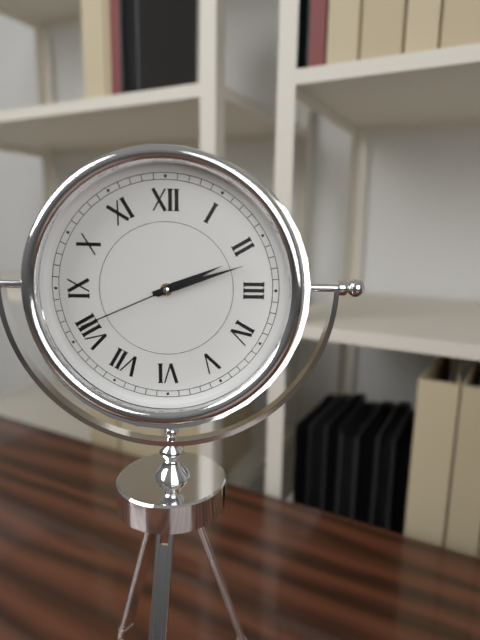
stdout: 2h12m41s
